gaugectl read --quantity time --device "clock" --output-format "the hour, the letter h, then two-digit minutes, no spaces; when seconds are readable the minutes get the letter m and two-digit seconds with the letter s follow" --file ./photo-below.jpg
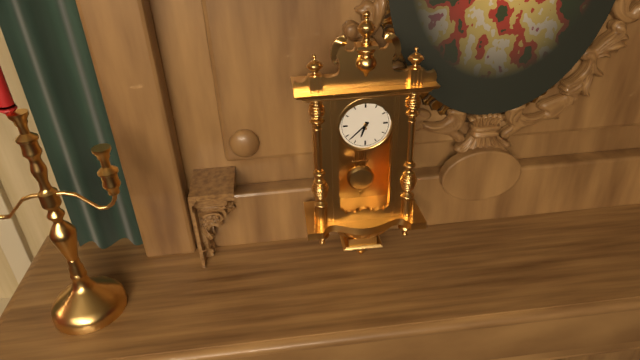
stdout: 6h38
